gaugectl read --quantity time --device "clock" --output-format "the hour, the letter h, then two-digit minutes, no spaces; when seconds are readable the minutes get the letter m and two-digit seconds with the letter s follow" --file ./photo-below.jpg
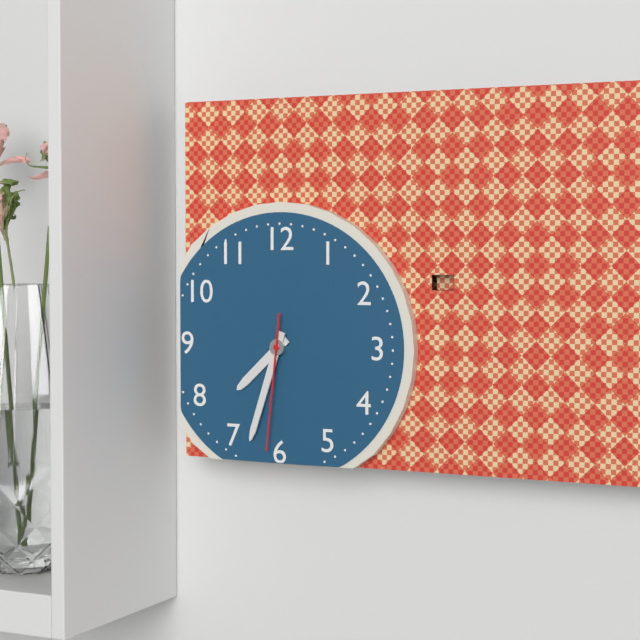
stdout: 7h33m31s
